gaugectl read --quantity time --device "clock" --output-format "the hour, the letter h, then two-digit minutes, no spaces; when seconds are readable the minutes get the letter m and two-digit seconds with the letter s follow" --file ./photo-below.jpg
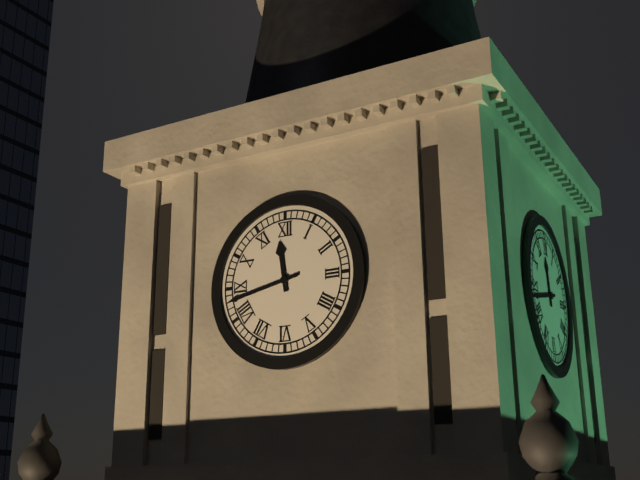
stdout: 11h43
